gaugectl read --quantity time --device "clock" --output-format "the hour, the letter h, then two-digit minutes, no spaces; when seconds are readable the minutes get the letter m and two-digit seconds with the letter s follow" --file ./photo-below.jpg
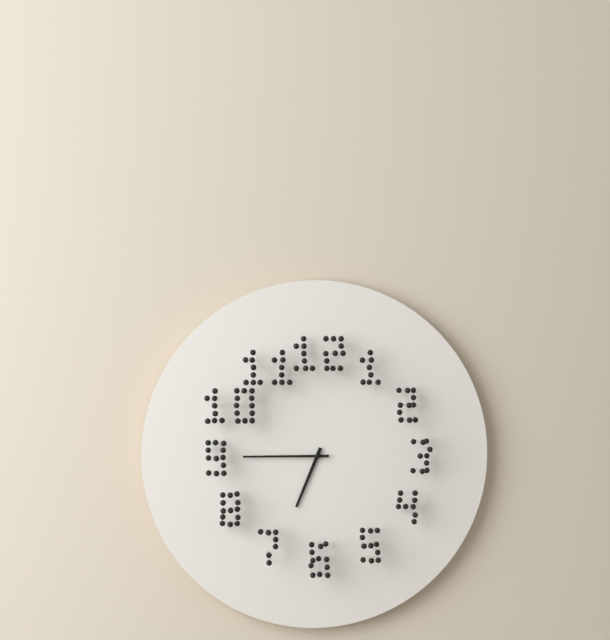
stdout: 6h45
